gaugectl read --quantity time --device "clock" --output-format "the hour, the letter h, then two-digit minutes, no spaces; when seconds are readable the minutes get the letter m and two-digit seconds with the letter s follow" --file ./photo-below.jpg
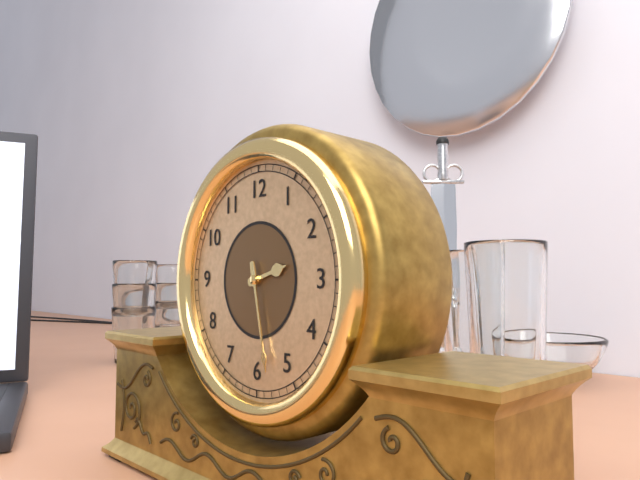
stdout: 2h28
